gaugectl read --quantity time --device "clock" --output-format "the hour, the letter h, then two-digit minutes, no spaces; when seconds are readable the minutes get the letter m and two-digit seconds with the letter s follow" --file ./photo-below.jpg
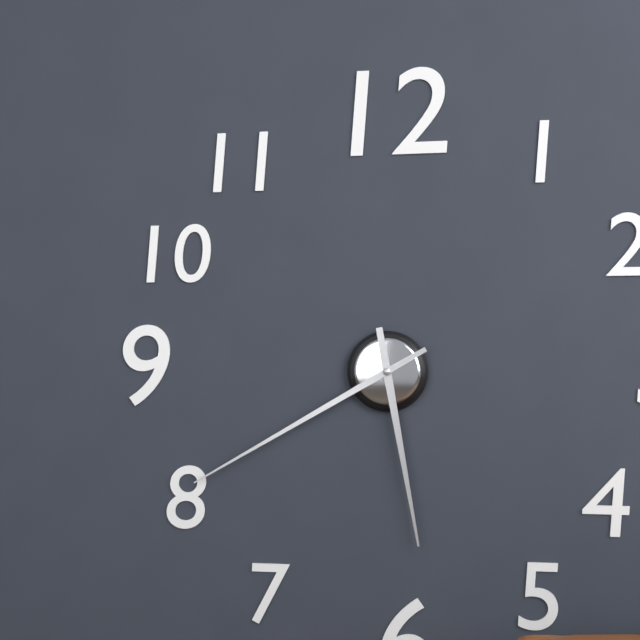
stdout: 5h40
